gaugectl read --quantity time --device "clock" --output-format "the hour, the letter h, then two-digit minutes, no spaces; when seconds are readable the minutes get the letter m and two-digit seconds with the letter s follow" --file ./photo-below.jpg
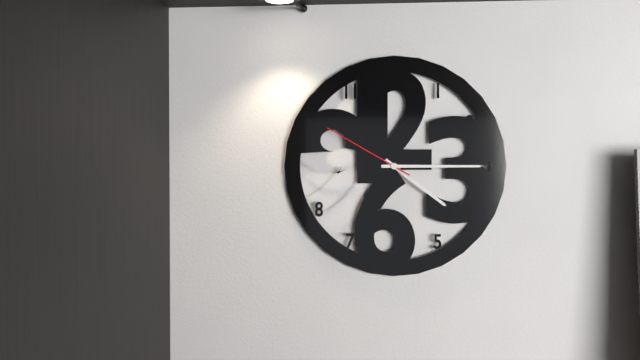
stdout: 4h15m50s
